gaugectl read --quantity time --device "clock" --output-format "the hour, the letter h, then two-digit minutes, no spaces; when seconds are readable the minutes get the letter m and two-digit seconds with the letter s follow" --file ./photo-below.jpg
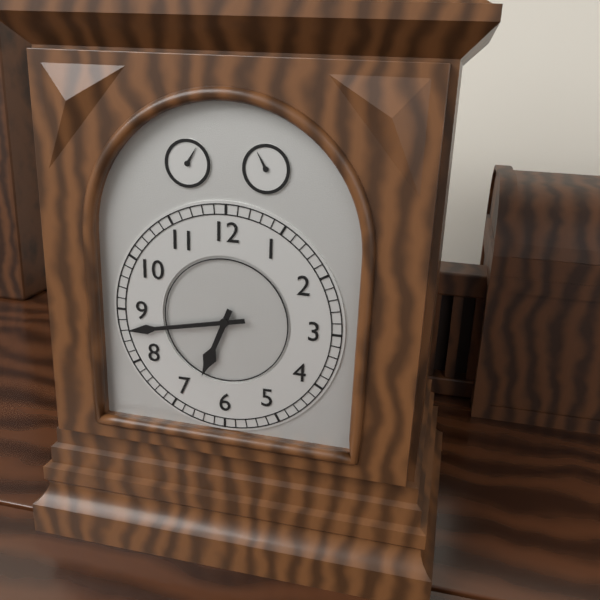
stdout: 6h43
